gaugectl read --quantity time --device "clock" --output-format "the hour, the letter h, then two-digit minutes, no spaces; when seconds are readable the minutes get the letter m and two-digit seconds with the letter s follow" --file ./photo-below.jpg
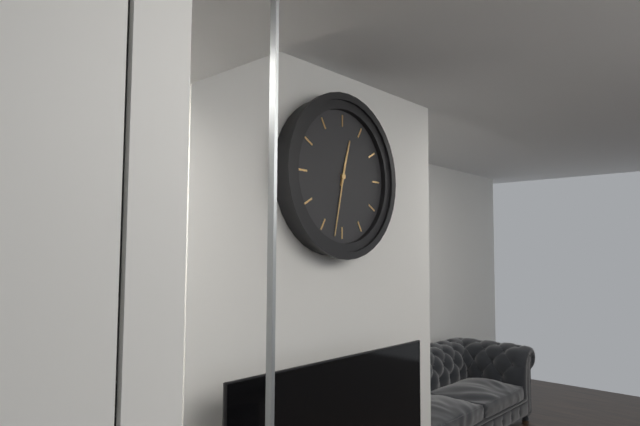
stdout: 12h32
